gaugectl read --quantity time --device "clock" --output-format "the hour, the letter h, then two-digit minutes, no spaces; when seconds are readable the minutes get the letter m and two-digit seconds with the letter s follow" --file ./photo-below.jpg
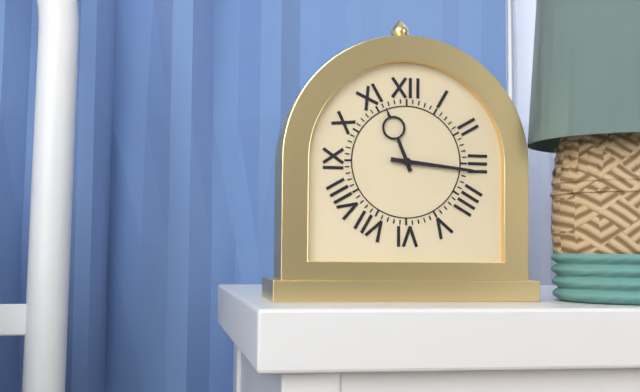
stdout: 11h16
